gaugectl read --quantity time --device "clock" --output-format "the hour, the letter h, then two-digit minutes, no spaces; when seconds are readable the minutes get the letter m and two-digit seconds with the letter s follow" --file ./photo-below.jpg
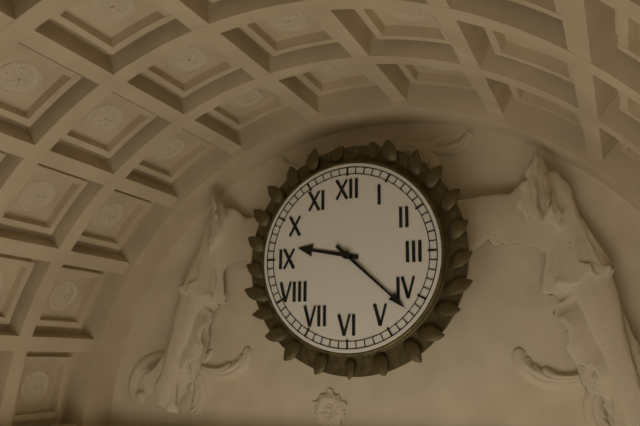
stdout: 9h22
